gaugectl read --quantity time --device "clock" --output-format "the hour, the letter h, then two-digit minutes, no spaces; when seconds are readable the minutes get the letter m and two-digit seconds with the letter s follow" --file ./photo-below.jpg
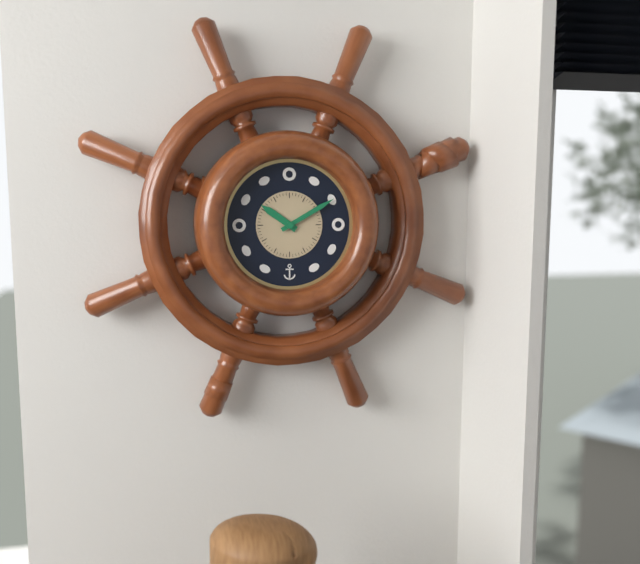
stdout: 10h10
